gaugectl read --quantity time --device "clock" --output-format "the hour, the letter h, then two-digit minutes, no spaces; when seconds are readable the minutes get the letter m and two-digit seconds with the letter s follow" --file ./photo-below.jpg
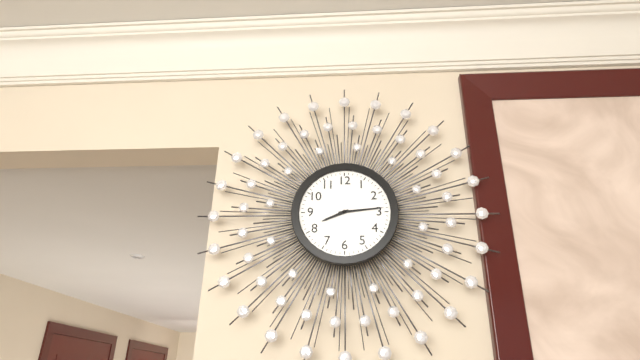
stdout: 8h14
